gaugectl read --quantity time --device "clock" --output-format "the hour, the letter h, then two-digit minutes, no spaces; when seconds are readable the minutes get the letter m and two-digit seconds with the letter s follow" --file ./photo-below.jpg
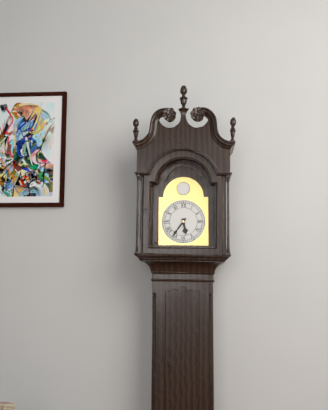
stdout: 5h36
